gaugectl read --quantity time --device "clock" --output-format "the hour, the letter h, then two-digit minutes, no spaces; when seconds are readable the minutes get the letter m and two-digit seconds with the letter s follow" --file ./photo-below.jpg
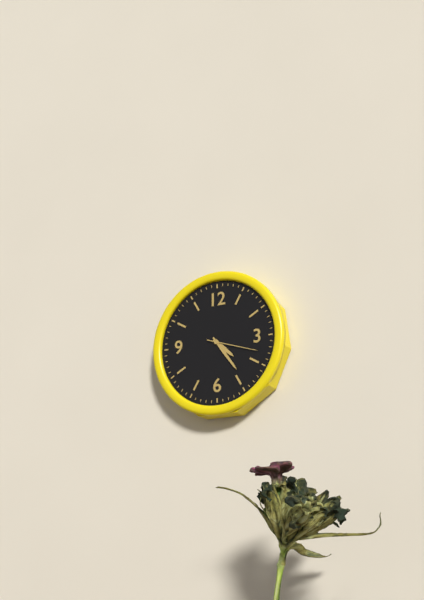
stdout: 4h24m18s
